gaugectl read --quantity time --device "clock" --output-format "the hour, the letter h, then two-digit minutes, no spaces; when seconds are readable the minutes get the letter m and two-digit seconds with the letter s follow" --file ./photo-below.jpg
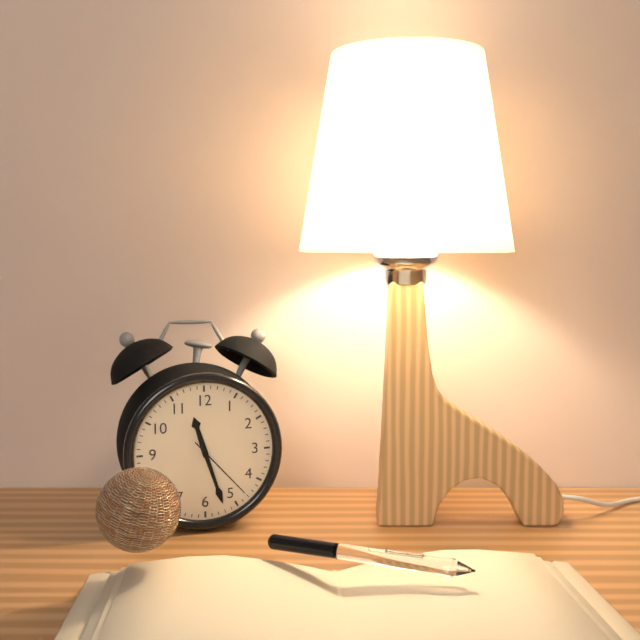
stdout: 11h27m23s
